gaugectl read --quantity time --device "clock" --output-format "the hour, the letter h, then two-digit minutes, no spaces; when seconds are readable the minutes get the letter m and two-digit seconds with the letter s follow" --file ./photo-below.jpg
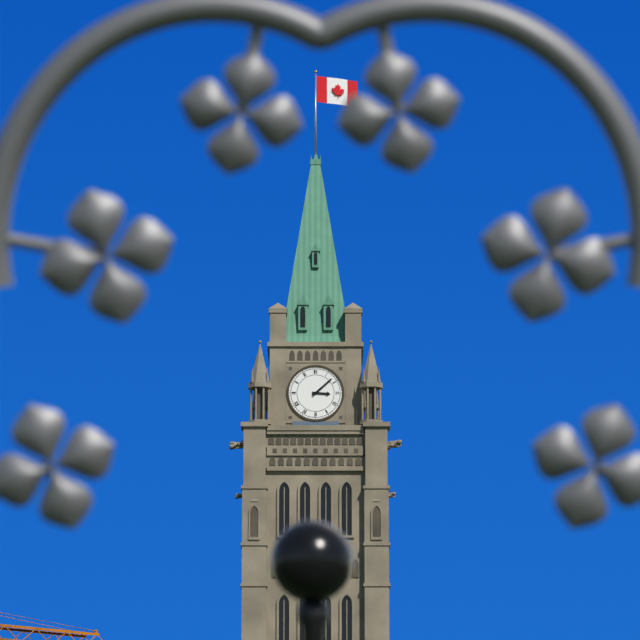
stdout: 3h08
